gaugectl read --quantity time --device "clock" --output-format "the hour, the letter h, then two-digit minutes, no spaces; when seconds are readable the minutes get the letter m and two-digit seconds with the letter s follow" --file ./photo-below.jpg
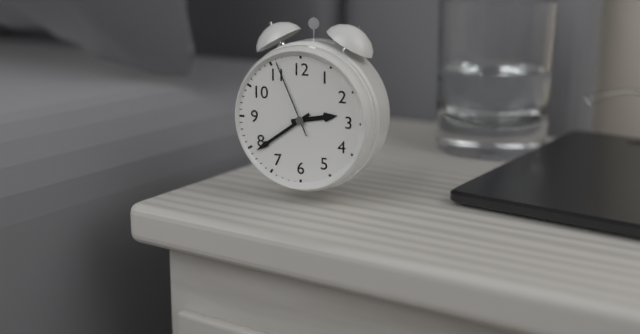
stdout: 2h39m56s
